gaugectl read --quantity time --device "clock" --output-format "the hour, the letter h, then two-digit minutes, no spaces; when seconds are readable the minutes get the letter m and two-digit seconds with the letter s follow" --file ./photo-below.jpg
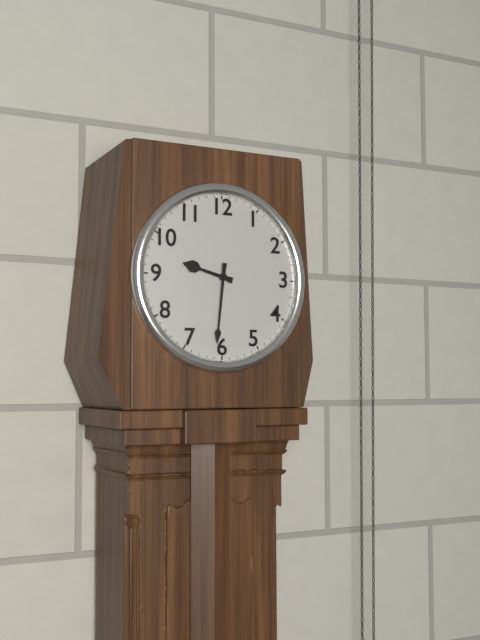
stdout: 9h31
